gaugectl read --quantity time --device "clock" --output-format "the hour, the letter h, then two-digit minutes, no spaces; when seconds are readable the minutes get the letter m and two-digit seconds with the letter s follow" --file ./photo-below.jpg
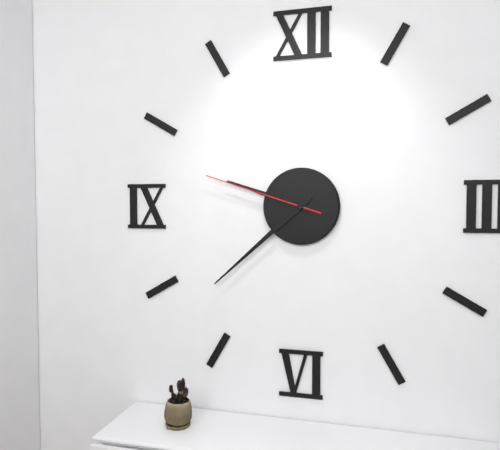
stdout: 9h38m48s
